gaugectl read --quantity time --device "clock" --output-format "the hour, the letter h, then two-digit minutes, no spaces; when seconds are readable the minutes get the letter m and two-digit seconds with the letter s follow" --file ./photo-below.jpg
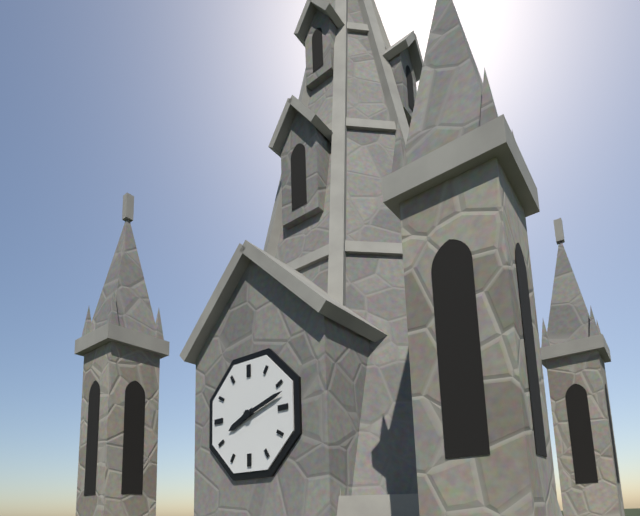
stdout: 8h12
